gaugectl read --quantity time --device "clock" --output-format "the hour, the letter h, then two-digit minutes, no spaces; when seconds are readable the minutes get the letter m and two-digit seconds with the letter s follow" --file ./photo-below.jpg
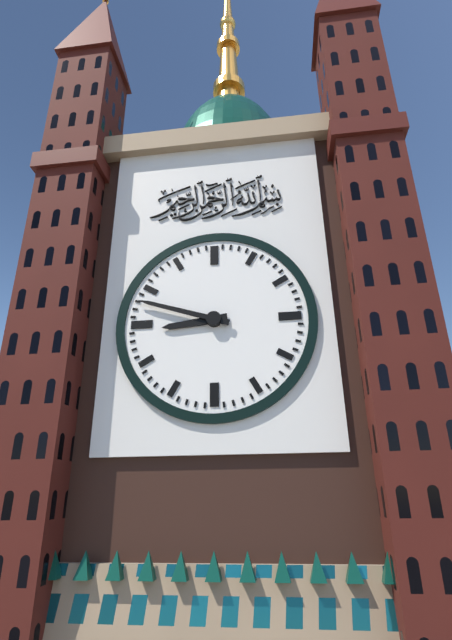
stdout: 8h48
